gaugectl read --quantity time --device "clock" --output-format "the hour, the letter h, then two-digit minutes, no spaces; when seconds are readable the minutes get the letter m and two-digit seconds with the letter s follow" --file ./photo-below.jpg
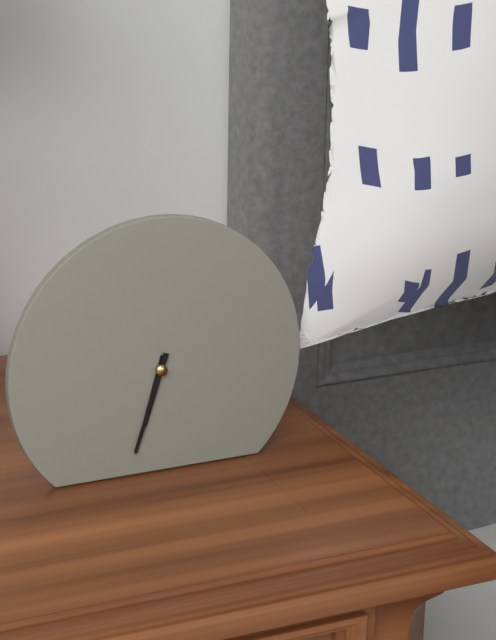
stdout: 6h33
